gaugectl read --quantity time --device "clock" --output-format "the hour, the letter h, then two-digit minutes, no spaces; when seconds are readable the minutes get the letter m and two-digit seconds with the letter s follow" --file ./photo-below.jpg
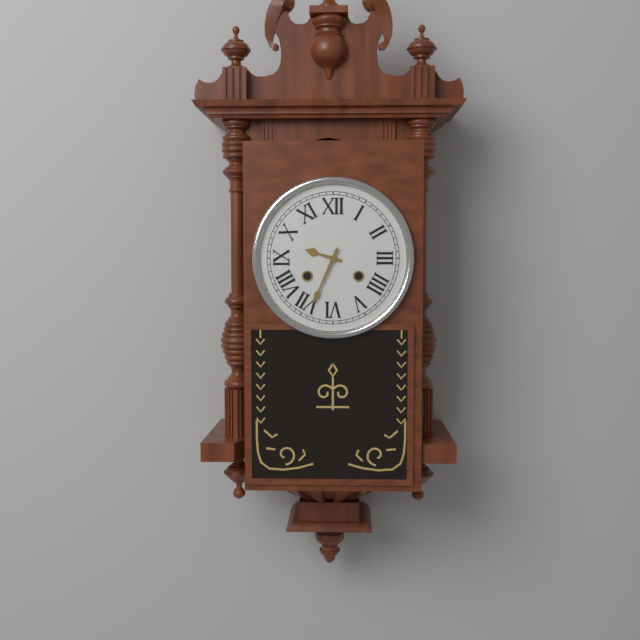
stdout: 9h34
